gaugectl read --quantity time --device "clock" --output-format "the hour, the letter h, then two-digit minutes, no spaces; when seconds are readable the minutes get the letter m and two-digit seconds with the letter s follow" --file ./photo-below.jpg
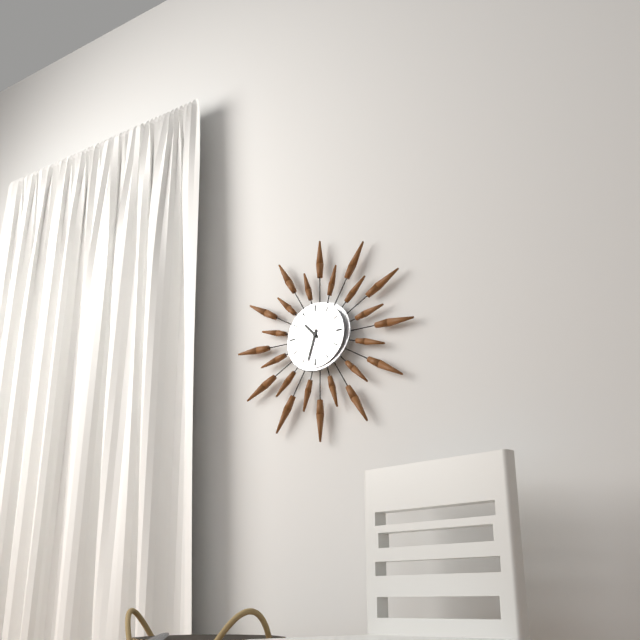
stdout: 10h33
